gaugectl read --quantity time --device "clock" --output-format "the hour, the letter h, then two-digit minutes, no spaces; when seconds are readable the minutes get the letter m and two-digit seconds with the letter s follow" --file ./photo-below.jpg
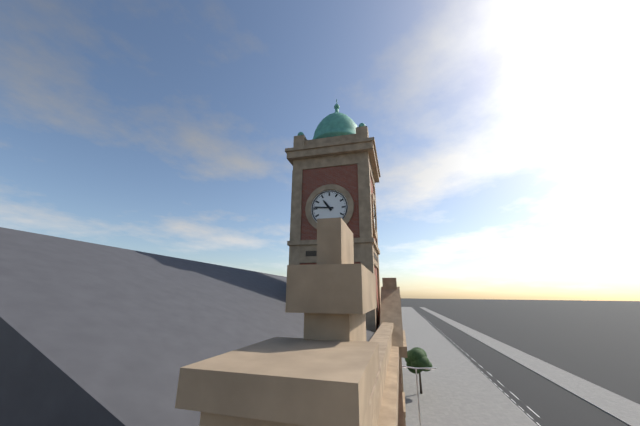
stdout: 10h46
